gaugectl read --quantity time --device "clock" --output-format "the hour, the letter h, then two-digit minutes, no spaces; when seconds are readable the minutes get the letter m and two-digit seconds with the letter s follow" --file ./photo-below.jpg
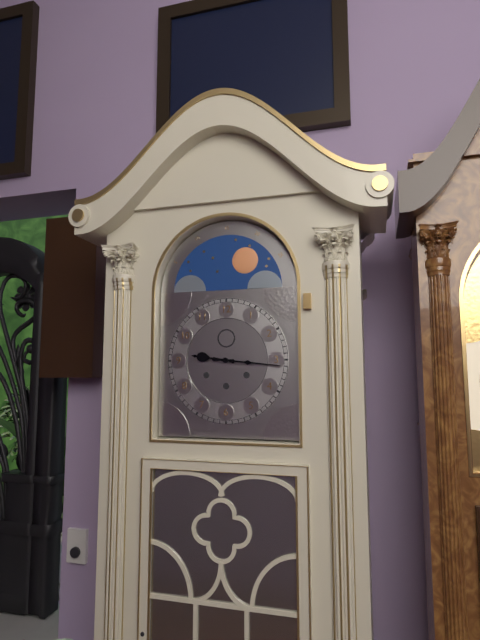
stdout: 9h16
